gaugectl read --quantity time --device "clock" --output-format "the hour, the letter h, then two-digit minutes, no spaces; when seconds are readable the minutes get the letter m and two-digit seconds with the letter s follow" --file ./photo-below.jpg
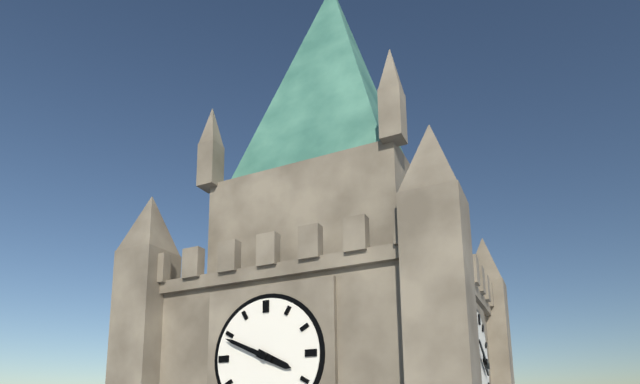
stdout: 3h49
